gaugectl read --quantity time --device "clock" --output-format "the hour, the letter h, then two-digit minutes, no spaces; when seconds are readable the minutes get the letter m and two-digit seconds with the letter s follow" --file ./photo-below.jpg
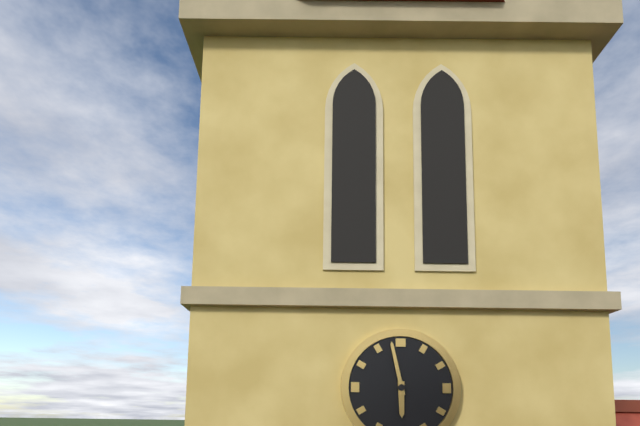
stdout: 5h58
